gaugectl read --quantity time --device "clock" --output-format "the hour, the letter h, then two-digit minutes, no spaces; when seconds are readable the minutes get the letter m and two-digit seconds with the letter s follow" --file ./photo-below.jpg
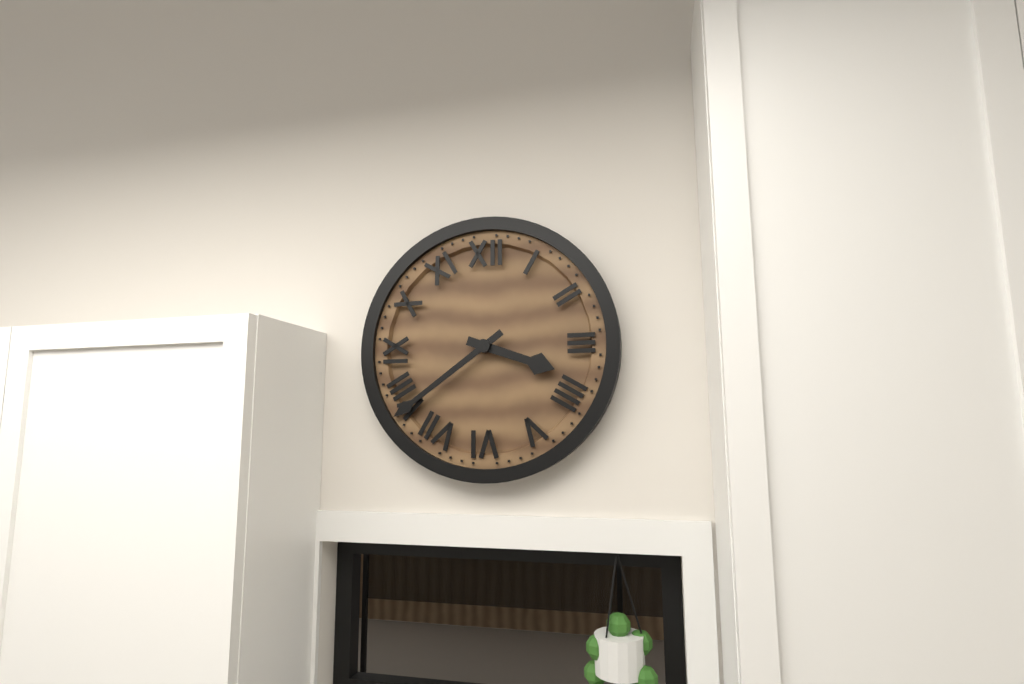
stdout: 3h39
